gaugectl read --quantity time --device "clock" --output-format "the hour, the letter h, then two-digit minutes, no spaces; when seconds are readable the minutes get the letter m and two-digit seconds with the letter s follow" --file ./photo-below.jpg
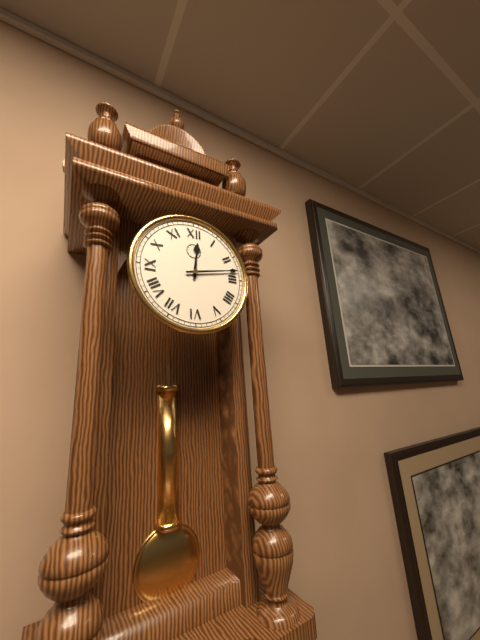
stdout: 12h13
